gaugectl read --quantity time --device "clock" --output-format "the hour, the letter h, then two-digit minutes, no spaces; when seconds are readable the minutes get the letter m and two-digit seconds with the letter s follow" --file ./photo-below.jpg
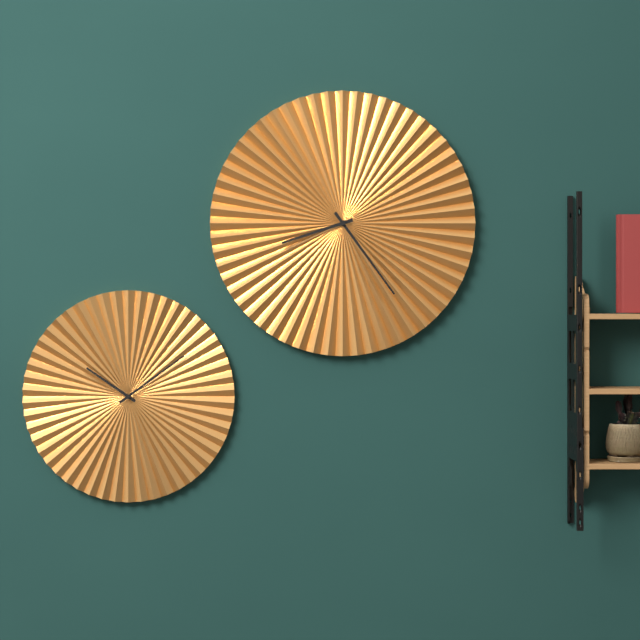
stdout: 8h24
